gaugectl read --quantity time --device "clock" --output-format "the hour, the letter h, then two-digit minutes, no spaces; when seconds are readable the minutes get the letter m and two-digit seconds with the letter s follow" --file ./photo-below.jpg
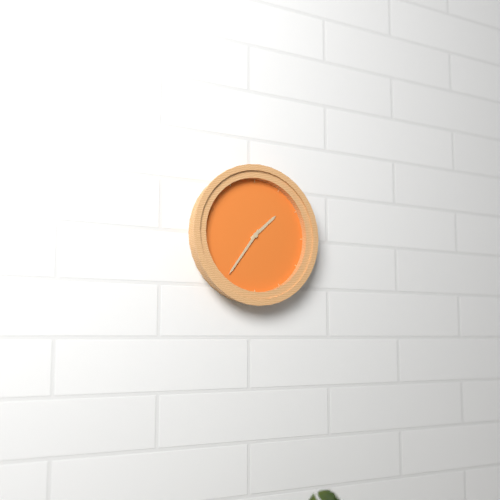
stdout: 1h36
